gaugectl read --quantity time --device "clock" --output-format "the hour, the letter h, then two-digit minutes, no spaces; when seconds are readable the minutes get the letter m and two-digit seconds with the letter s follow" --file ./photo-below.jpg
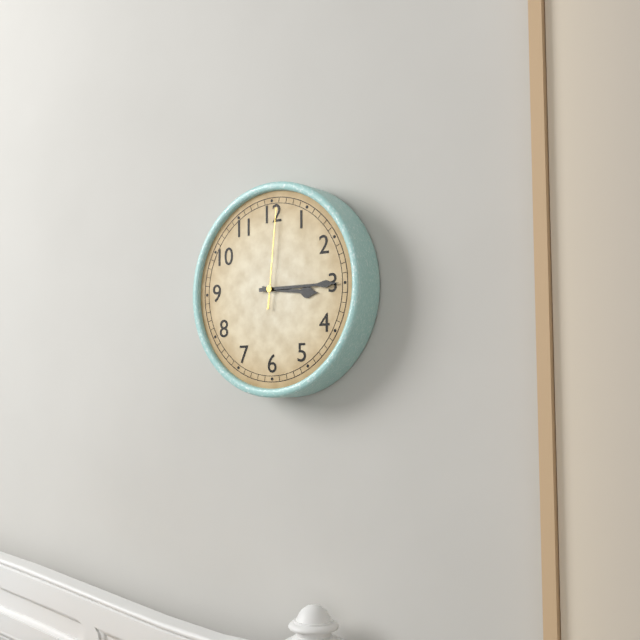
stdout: 3h15m01s
